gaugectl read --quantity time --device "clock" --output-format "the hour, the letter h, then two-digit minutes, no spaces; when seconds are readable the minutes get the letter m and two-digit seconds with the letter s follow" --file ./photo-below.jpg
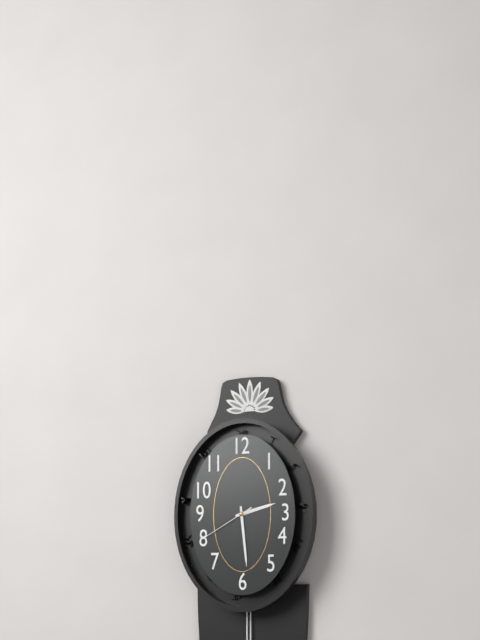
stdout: 2h29m40s
